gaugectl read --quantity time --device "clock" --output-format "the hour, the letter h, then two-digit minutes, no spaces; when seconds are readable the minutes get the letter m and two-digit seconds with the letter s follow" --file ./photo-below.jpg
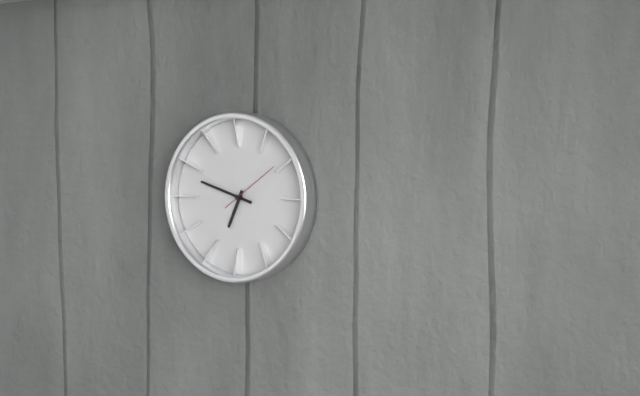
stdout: 6h48m09s
